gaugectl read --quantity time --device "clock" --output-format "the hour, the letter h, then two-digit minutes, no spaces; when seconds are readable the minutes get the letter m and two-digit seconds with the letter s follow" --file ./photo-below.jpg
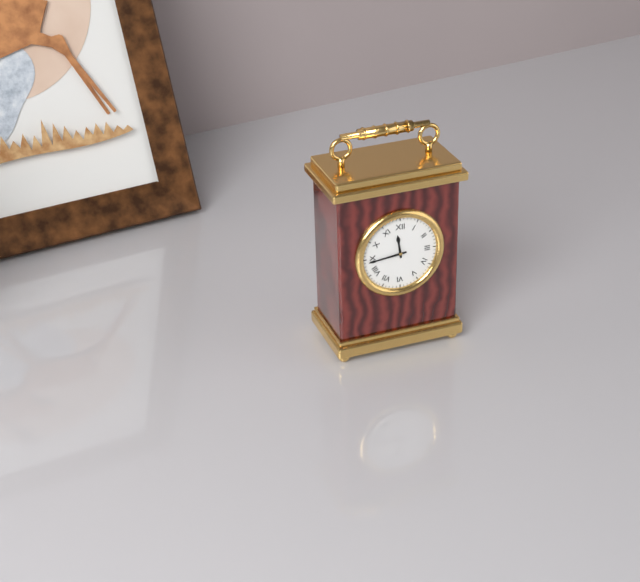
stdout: 11h44
